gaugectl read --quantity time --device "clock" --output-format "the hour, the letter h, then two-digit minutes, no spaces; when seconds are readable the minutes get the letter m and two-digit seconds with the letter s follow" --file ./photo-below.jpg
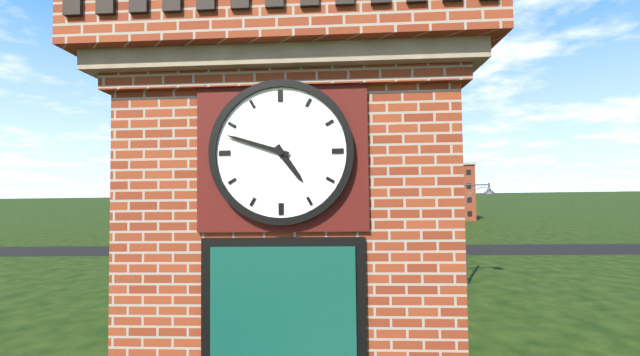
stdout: 4h48
